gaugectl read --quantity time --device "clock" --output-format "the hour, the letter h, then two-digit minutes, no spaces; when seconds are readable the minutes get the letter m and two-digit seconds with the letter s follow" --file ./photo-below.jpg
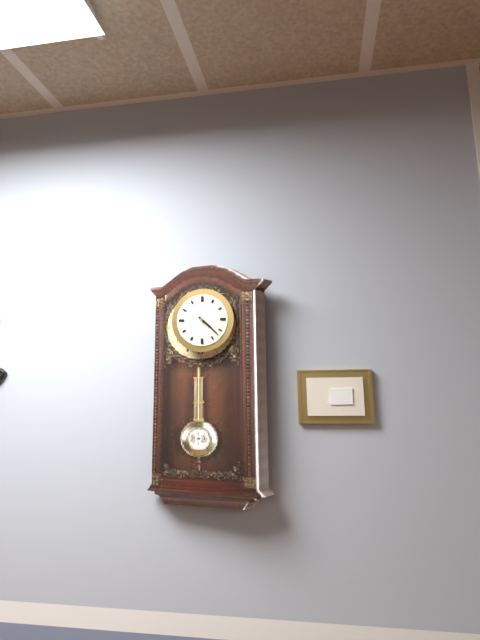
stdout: 4h22
